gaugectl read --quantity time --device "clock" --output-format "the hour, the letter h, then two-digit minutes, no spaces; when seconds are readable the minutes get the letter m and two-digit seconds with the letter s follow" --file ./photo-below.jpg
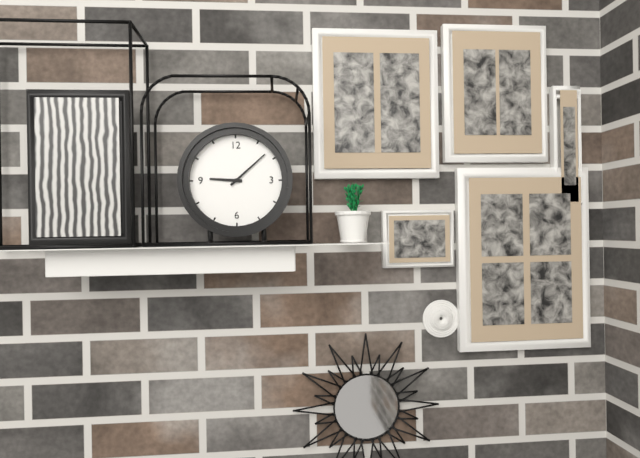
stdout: 9h08
